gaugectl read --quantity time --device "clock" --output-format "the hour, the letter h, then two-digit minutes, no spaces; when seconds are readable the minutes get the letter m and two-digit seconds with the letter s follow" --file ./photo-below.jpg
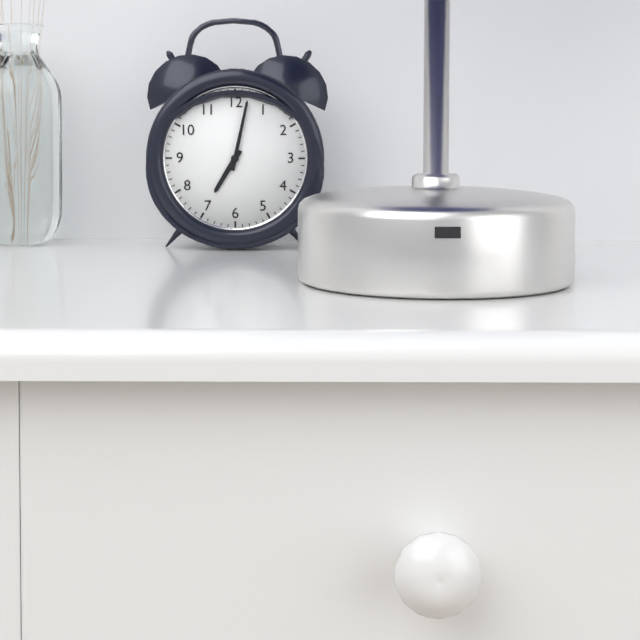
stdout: 7h02
